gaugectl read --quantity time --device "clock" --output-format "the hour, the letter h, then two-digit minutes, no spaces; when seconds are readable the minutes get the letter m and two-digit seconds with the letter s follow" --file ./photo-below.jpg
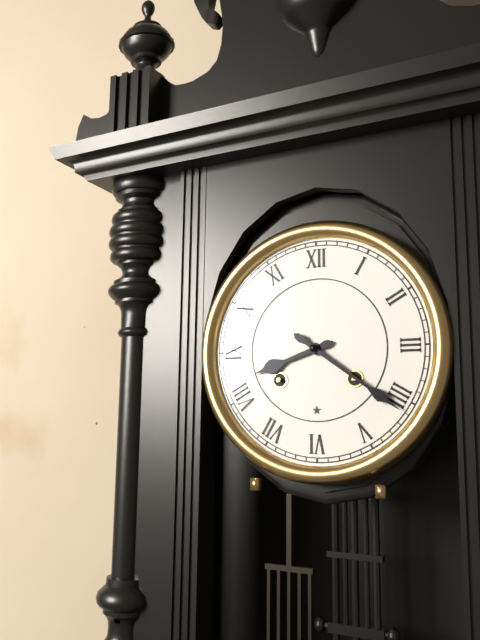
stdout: 8h21
